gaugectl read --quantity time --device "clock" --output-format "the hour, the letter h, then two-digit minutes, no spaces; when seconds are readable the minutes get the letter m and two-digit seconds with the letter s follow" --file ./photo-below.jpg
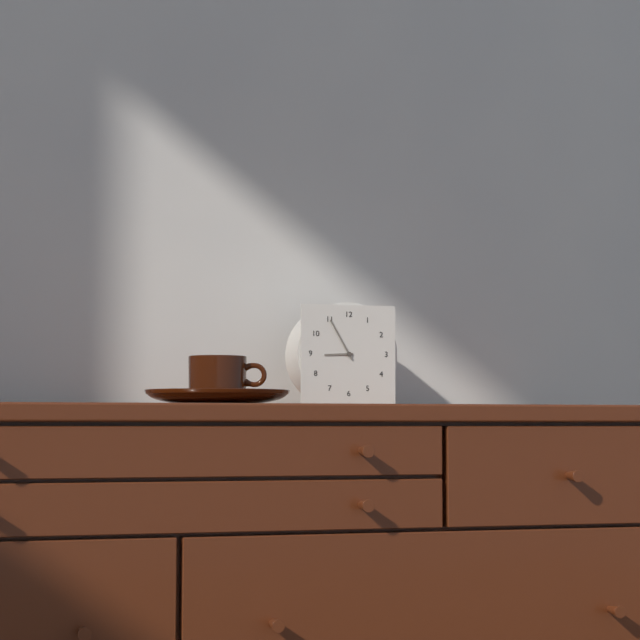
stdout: 8h55
